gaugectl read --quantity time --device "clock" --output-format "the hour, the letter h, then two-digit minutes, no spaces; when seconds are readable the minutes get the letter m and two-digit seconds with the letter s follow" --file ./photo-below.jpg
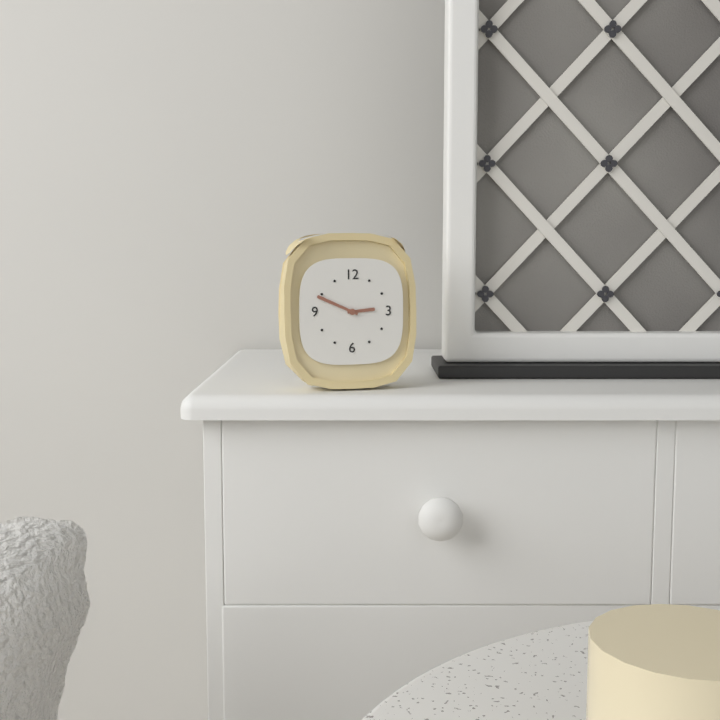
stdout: 2h49
